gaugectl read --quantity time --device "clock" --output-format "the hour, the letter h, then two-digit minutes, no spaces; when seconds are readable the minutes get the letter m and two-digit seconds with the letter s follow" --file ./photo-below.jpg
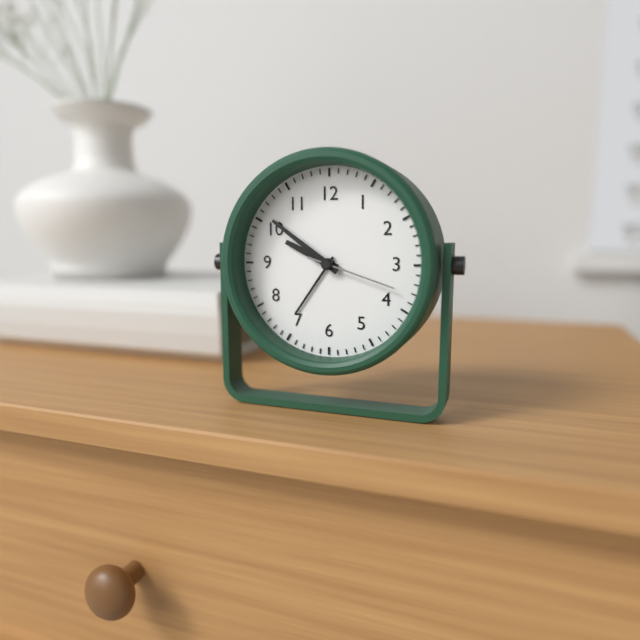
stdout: 9h51m18s
